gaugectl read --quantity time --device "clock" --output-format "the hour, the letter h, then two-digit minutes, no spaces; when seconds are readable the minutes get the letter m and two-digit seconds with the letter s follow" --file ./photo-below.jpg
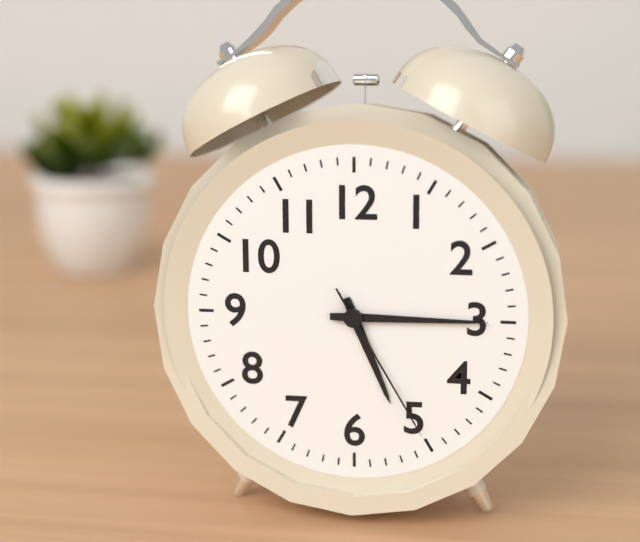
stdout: 5h15m25s
